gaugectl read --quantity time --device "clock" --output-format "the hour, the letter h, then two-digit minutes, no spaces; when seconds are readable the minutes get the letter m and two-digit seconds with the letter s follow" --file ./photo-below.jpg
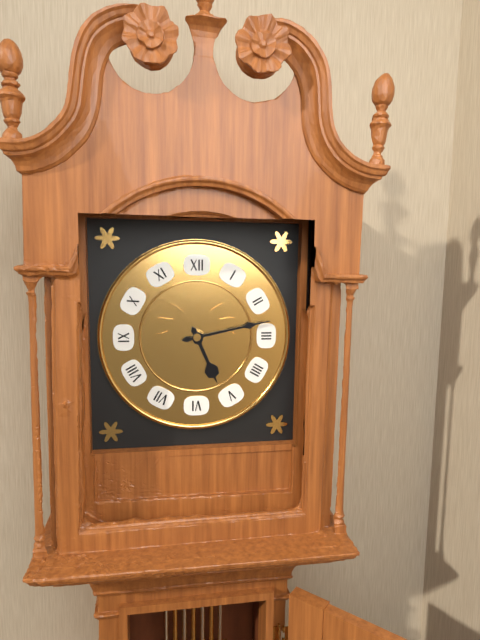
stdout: 5h13
